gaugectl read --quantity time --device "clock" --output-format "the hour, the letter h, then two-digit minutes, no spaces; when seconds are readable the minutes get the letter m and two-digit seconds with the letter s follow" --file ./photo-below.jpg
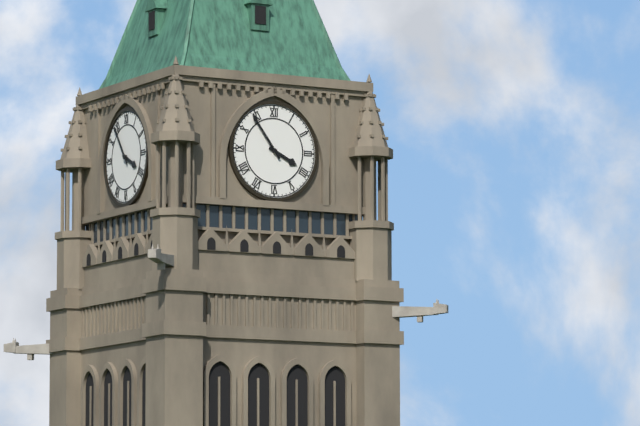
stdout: 3h54
